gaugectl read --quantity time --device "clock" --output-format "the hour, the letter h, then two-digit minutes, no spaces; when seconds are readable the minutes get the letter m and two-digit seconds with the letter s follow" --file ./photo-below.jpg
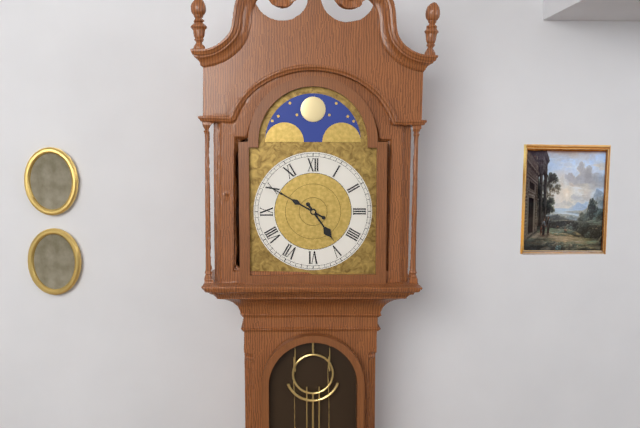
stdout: 4h50
